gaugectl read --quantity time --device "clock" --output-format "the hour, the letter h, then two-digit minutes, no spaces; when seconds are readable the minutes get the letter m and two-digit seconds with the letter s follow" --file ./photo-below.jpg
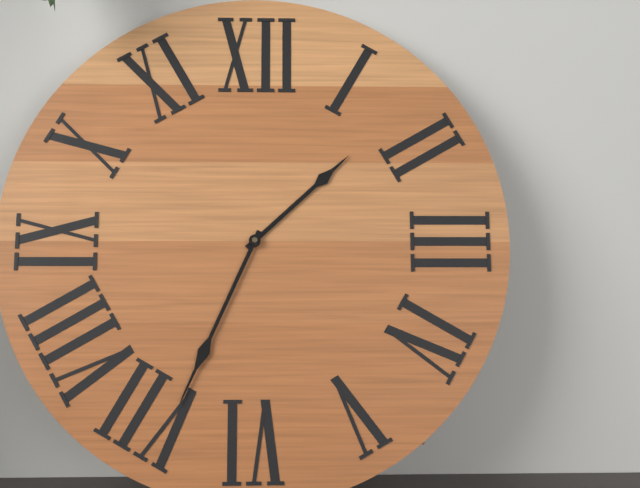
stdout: 1h34
